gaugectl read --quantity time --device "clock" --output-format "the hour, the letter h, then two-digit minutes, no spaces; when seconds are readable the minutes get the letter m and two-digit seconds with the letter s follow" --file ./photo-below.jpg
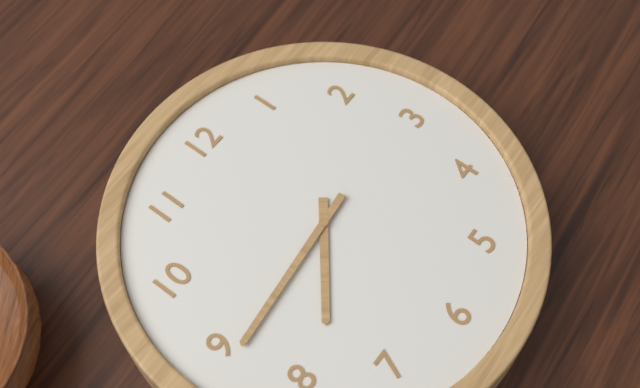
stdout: 7h44
